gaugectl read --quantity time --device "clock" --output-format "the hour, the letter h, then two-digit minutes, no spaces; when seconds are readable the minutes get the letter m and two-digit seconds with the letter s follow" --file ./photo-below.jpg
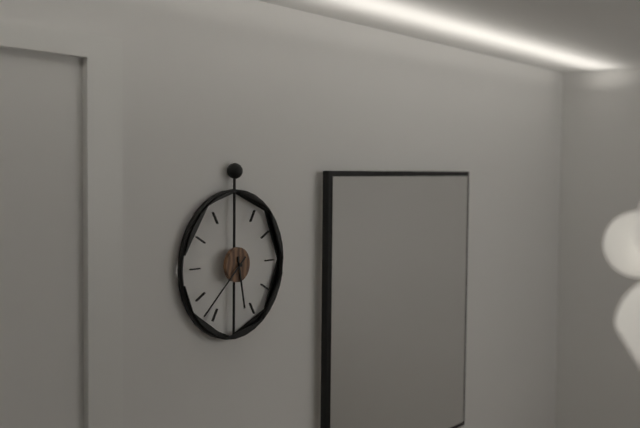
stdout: 5h38
